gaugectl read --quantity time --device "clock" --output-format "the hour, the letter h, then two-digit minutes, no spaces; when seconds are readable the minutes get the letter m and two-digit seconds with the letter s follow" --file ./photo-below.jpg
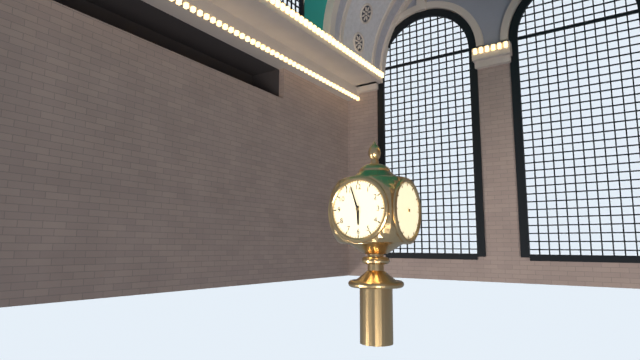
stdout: 5h57
